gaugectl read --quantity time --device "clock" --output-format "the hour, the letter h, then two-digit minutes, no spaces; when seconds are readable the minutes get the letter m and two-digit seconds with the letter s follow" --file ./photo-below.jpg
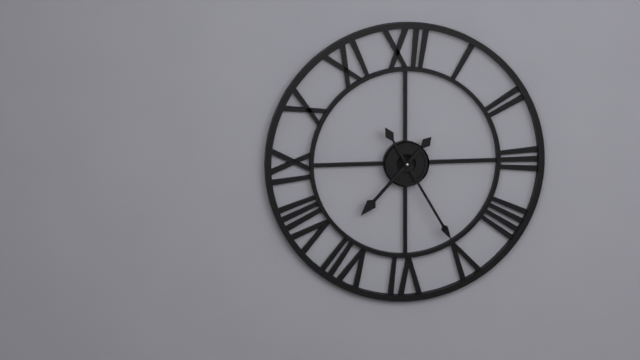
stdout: 7h25
